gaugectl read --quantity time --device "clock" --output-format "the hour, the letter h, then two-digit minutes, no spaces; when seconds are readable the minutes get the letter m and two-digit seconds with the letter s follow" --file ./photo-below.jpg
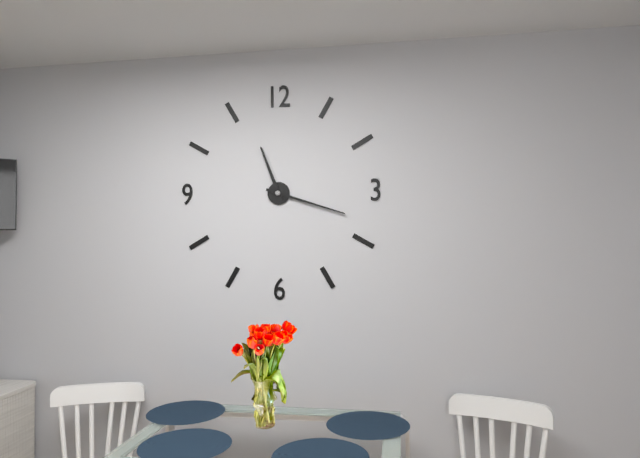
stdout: 11h18
